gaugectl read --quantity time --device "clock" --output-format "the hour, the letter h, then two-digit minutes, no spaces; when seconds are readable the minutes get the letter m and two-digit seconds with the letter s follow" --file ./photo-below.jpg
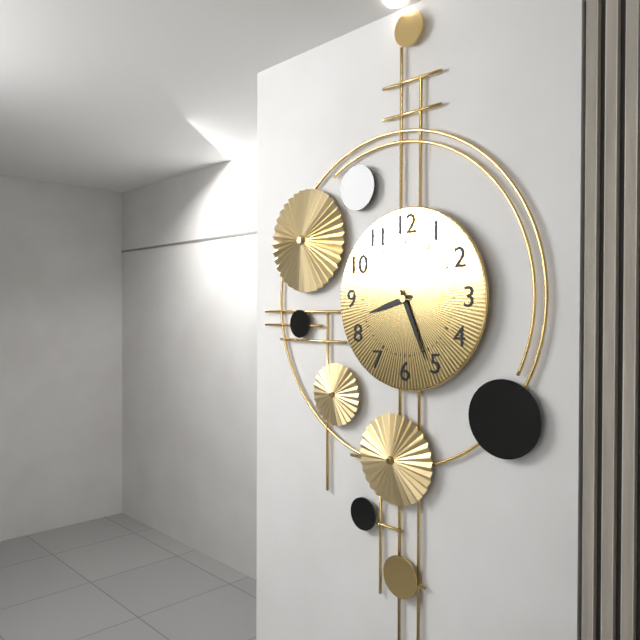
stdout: 8h26m46s
